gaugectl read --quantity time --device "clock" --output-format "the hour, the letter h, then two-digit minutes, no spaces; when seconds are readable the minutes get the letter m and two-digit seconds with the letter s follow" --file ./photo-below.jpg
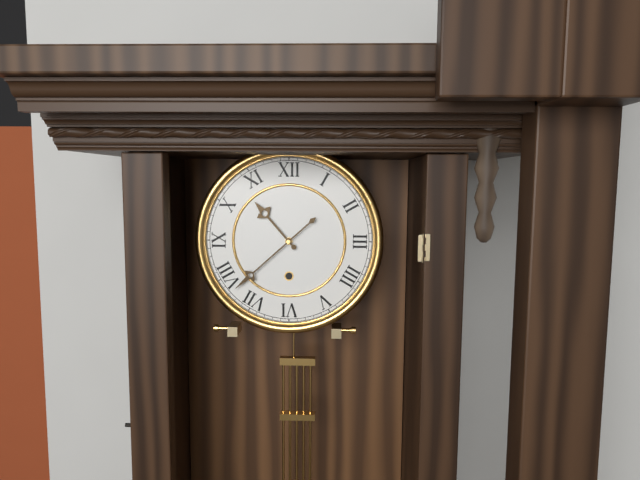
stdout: 10h38
